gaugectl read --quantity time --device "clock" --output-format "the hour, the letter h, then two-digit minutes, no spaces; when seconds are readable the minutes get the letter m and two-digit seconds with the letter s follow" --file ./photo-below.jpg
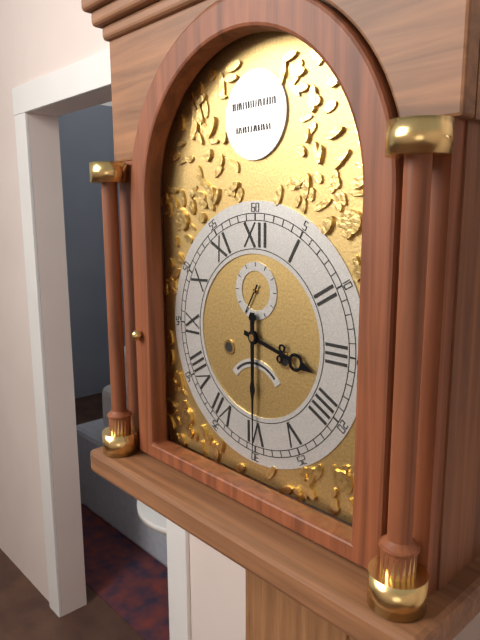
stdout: 3h30
